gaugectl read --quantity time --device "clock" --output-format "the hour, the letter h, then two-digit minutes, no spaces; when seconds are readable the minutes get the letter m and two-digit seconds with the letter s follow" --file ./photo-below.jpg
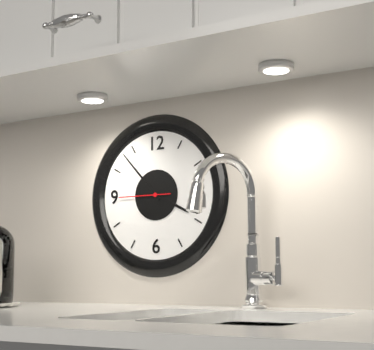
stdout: 3h53
